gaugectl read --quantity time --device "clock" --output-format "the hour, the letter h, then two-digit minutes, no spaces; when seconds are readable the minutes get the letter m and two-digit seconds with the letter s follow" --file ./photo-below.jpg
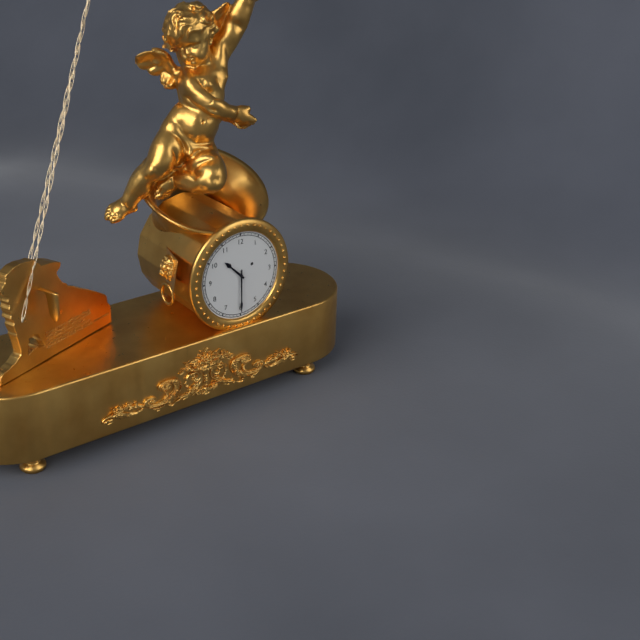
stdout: 10h30
